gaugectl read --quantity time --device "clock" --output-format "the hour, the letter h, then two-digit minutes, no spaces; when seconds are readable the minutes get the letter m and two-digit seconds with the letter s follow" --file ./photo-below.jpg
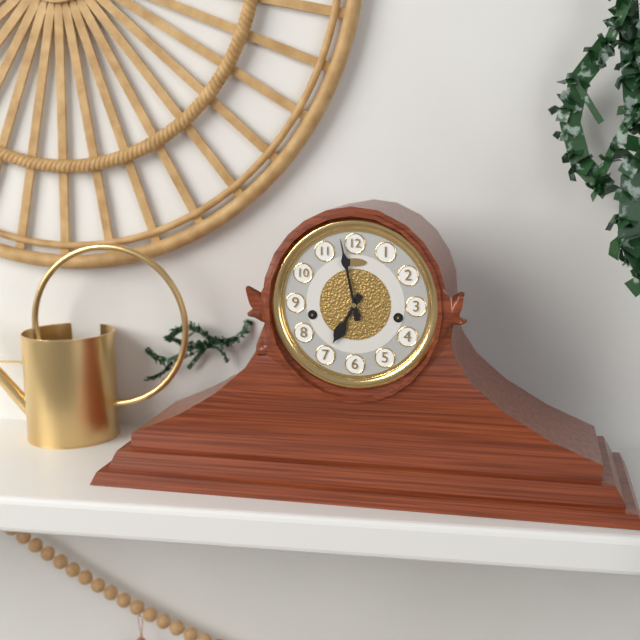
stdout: 6h58
